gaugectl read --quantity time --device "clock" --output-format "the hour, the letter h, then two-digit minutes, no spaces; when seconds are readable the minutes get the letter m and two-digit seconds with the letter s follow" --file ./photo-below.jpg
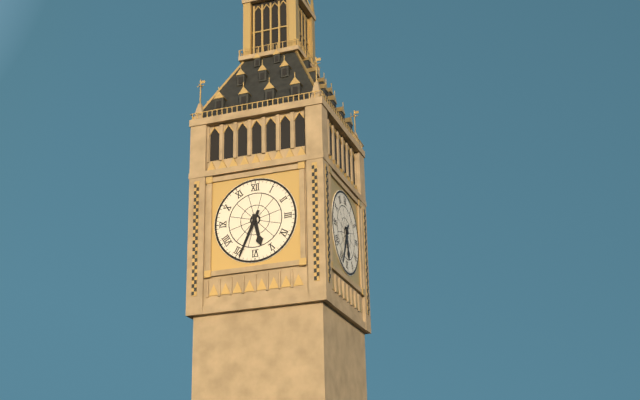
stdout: 5h34
